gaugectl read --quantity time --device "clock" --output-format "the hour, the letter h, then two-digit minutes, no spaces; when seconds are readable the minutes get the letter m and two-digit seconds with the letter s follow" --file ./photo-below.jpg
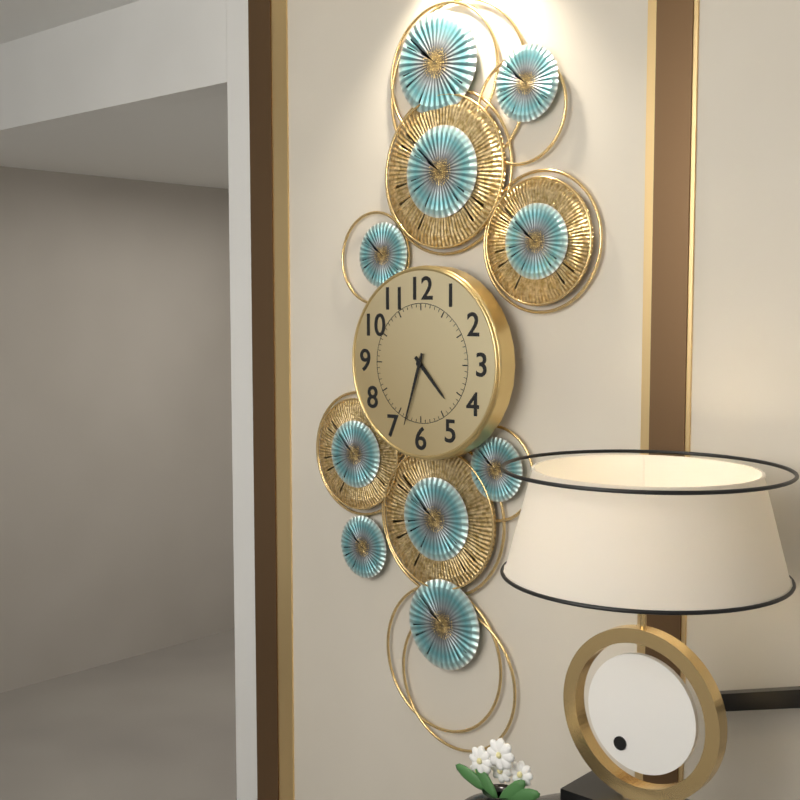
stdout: 4h33
